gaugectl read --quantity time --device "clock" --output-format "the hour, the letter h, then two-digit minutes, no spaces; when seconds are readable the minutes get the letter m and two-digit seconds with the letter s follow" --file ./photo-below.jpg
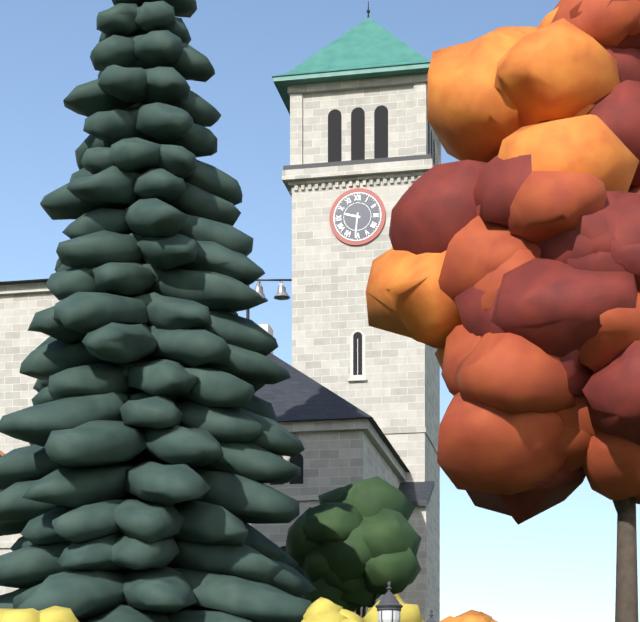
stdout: 9h31
